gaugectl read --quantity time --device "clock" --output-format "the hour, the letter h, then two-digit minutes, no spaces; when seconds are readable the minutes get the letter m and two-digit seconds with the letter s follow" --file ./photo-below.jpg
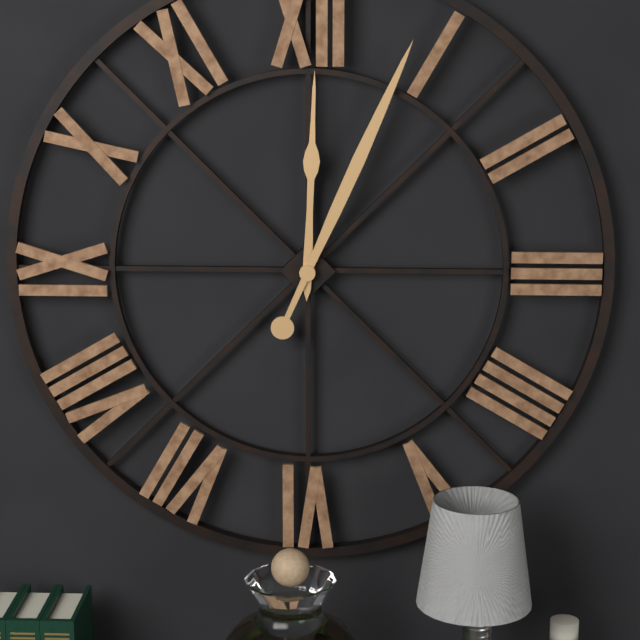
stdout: 12h04
